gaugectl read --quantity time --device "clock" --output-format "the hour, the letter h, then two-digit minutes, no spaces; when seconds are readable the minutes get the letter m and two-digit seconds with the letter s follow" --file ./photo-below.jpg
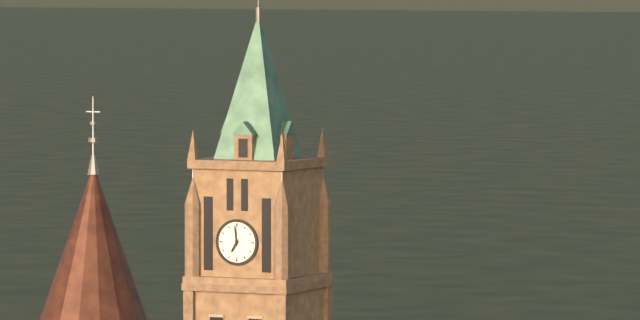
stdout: 6h59
